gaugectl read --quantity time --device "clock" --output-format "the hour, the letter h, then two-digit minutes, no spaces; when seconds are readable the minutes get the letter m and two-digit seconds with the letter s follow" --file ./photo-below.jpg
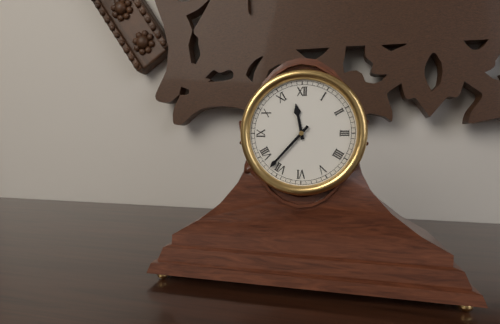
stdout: 11h37
